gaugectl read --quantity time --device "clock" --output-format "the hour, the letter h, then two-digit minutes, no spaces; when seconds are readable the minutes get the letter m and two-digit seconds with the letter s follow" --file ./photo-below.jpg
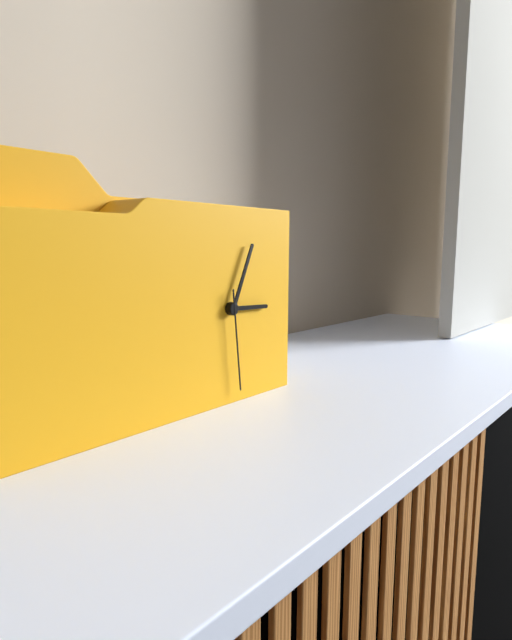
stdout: 3h04m29s
